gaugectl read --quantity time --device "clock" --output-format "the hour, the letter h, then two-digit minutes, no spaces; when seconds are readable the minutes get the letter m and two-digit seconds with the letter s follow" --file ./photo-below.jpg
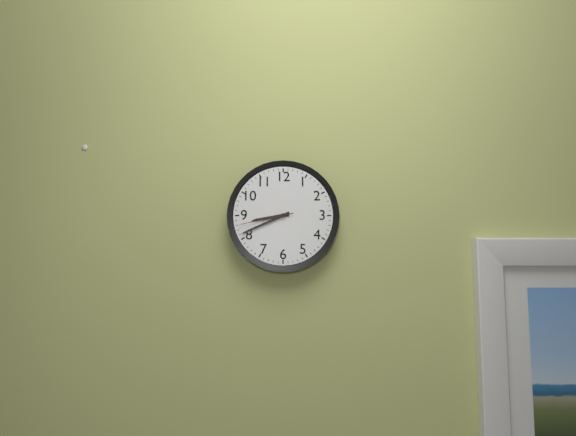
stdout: 8h41m43s
